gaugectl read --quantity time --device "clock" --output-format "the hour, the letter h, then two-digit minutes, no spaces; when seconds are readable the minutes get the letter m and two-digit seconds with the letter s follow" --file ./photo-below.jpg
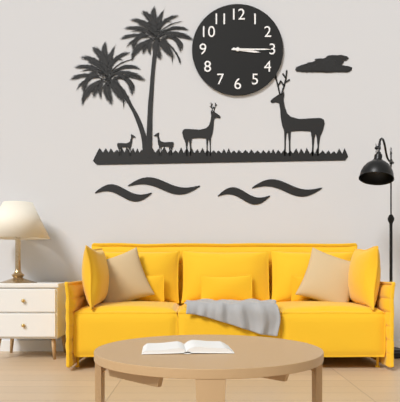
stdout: 3h15
